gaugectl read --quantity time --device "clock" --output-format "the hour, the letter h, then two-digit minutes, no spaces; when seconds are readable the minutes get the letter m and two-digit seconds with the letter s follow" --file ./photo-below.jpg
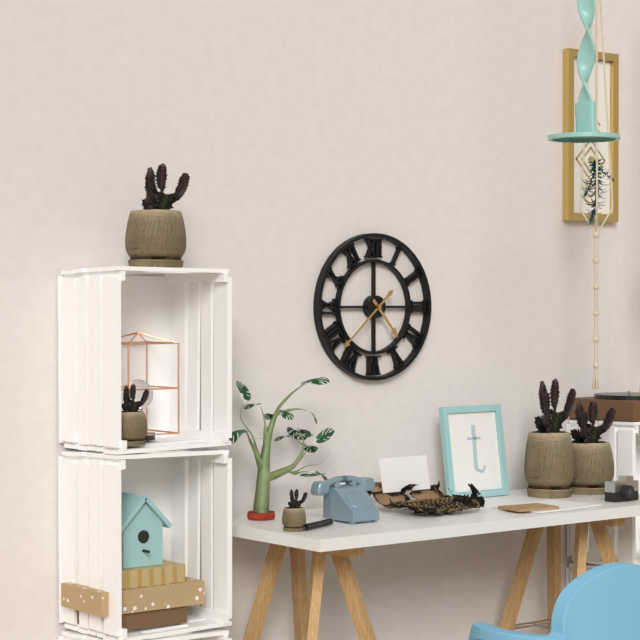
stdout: 4h38
